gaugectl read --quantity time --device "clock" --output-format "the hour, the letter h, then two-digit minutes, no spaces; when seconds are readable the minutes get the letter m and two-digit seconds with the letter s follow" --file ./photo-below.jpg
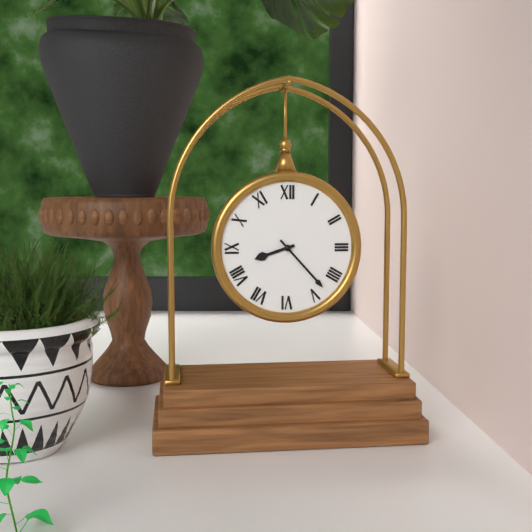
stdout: 8h23
